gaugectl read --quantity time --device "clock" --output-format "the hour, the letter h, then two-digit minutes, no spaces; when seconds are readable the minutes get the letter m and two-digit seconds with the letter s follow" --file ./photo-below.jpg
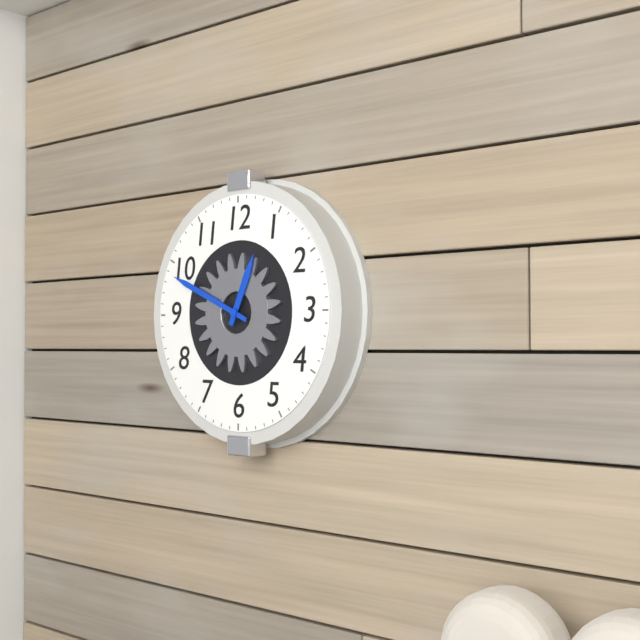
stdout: 12h49
